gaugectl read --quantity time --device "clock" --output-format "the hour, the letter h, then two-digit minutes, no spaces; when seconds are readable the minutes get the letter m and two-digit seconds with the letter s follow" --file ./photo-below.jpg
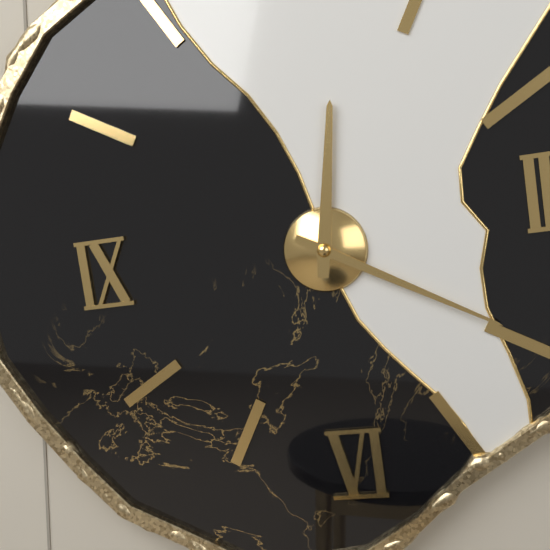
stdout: 12h20
